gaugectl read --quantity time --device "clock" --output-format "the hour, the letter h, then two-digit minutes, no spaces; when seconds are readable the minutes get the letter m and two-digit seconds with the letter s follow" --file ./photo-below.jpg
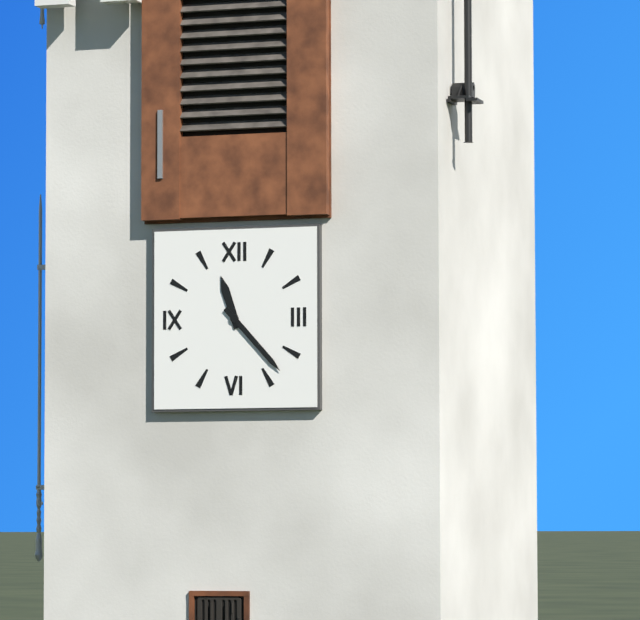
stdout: 11h23
